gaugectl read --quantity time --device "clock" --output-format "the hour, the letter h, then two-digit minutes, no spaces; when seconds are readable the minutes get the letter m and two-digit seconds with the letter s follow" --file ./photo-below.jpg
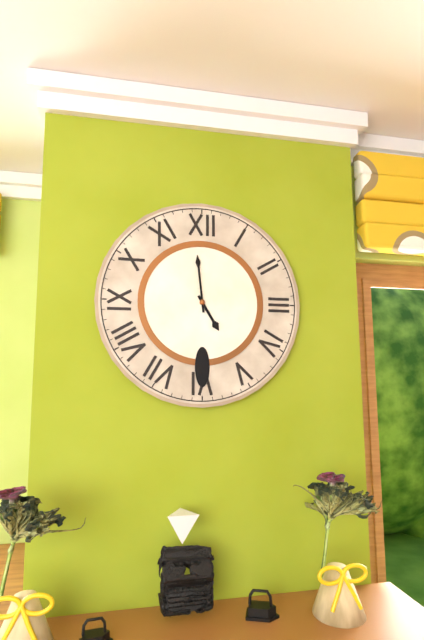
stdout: 4h59
